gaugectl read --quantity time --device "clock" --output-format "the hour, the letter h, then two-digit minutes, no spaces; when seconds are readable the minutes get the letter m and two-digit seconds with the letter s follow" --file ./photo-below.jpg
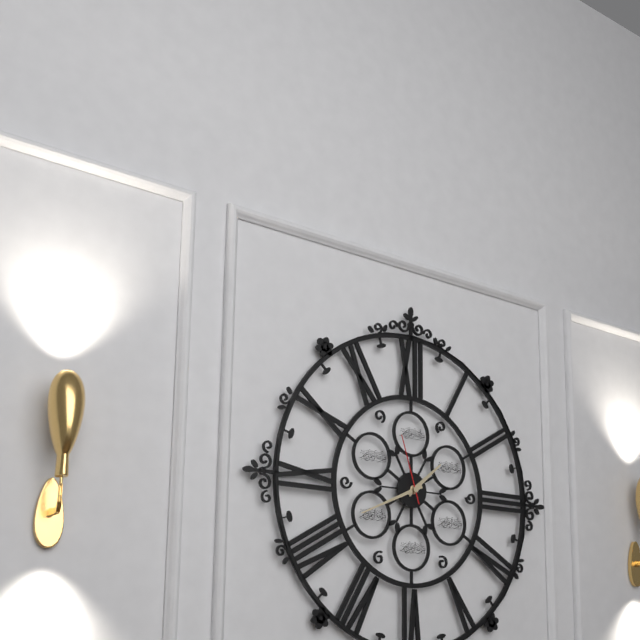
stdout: 1h41m57s
